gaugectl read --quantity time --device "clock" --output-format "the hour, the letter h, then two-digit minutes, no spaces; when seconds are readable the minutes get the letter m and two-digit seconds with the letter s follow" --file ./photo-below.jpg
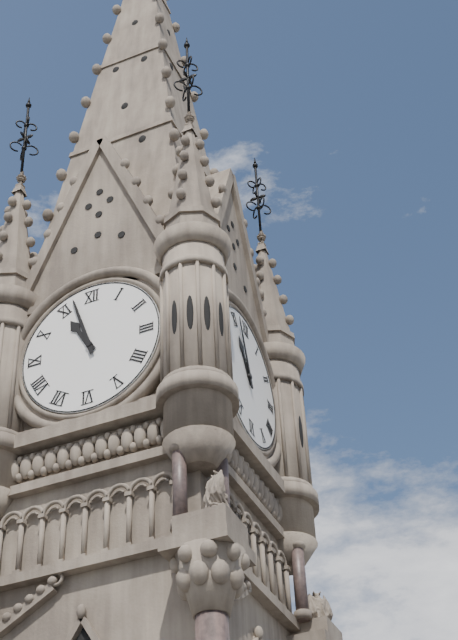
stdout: 10h57
